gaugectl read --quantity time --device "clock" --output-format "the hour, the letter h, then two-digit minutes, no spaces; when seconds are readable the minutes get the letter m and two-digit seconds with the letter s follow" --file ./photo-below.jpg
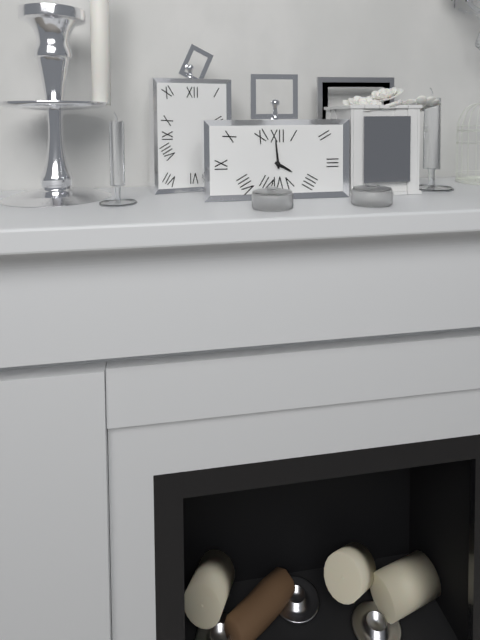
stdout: 3h59
